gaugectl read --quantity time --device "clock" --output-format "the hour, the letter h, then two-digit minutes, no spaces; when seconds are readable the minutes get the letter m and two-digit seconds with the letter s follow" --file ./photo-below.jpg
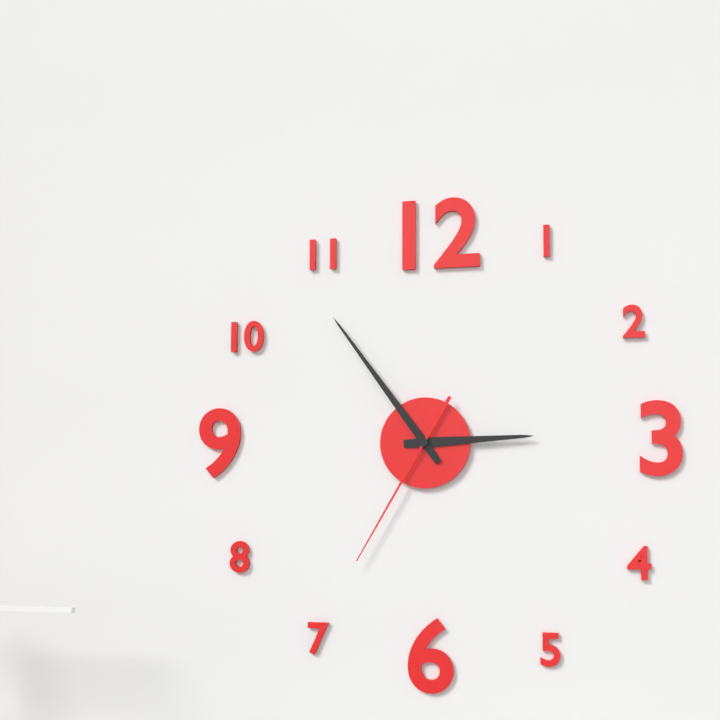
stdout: 2h54m35s
